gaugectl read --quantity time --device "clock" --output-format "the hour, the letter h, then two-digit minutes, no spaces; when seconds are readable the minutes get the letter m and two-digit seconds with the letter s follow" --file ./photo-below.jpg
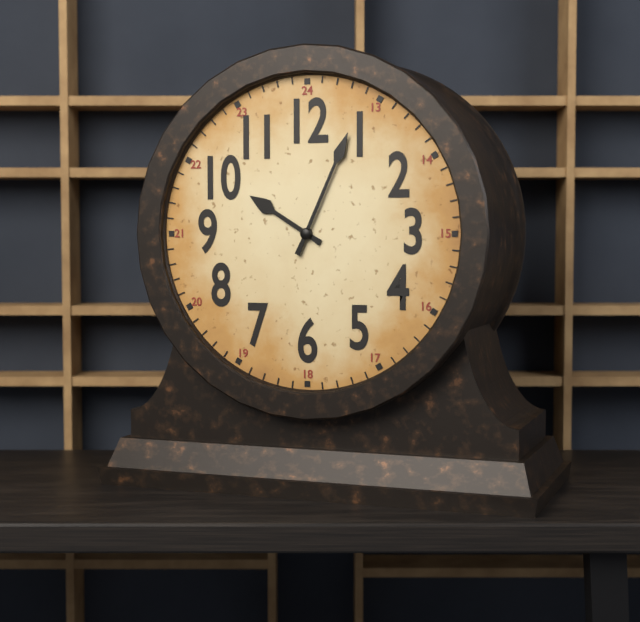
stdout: 10h04
